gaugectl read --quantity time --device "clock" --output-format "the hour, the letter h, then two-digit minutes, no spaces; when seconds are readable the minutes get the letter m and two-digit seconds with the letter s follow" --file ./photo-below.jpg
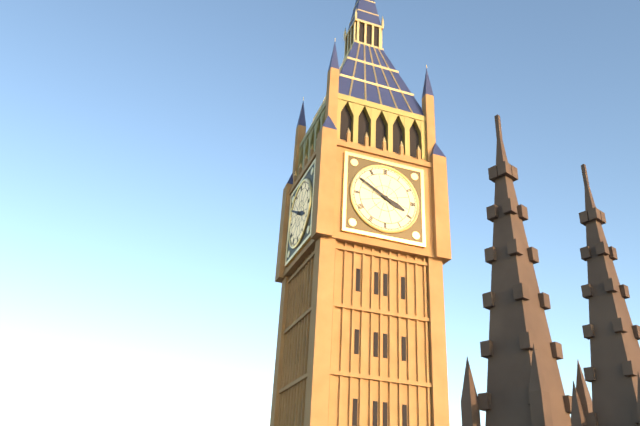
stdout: 3h50
